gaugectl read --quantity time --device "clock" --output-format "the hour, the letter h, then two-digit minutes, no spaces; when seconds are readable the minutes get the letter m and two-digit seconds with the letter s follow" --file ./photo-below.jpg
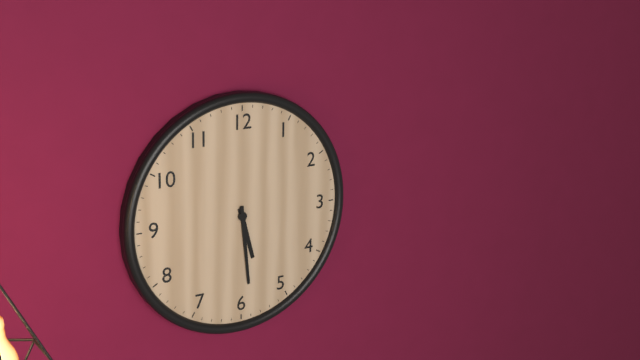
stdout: 5h29
